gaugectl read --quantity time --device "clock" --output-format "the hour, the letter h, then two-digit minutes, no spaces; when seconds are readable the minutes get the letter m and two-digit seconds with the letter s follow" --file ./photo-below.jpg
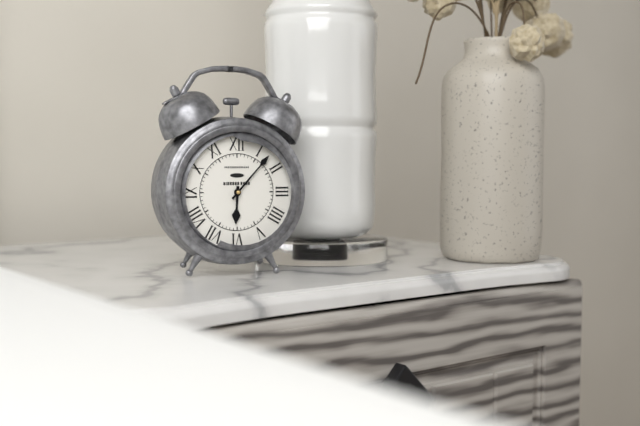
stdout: 6h07
